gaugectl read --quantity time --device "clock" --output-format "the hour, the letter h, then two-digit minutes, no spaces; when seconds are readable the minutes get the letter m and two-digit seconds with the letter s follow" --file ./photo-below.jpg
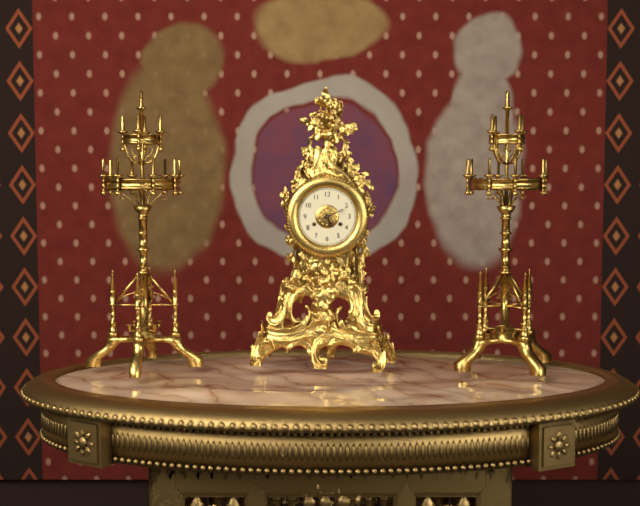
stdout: 5h11
